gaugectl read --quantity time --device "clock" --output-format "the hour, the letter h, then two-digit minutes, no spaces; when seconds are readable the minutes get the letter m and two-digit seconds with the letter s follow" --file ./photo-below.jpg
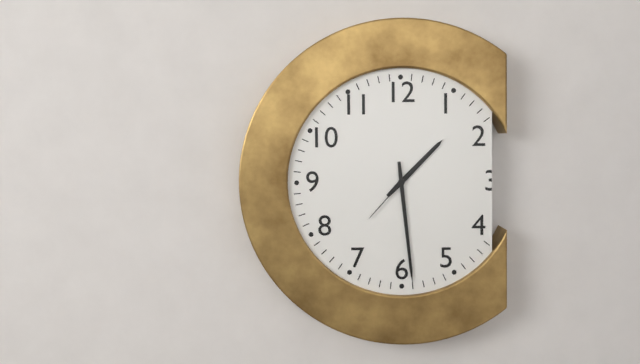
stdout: 1h29m37s
